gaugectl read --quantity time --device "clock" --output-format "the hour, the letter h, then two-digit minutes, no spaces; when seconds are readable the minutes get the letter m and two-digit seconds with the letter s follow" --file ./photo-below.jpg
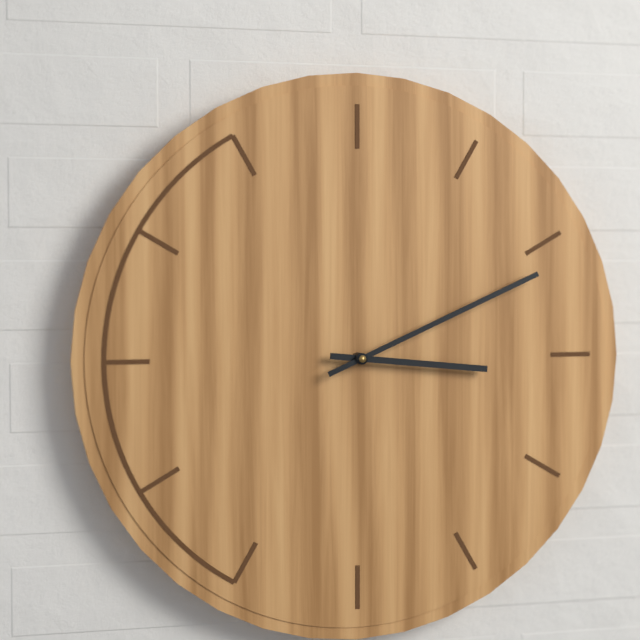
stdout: 3h11
